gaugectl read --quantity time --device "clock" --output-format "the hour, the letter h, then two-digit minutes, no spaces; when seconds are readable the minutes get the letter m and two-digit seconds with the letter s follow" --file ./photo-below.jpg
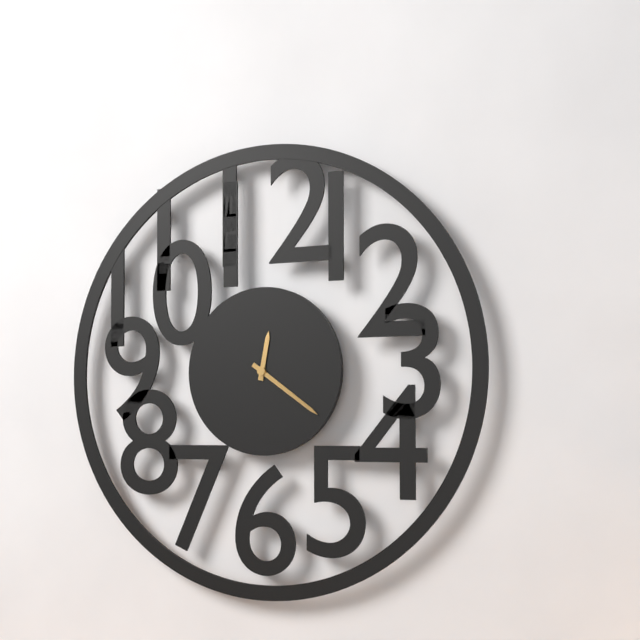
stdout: 12h21
